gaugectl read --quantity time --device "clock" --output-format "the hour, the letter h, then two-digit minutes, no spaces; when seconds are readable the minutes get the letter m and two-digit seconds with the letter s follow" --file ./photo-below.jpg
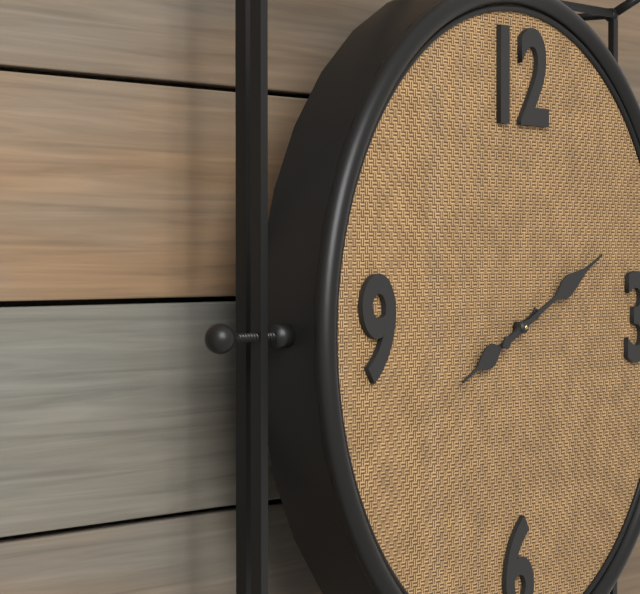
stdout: 8h11
